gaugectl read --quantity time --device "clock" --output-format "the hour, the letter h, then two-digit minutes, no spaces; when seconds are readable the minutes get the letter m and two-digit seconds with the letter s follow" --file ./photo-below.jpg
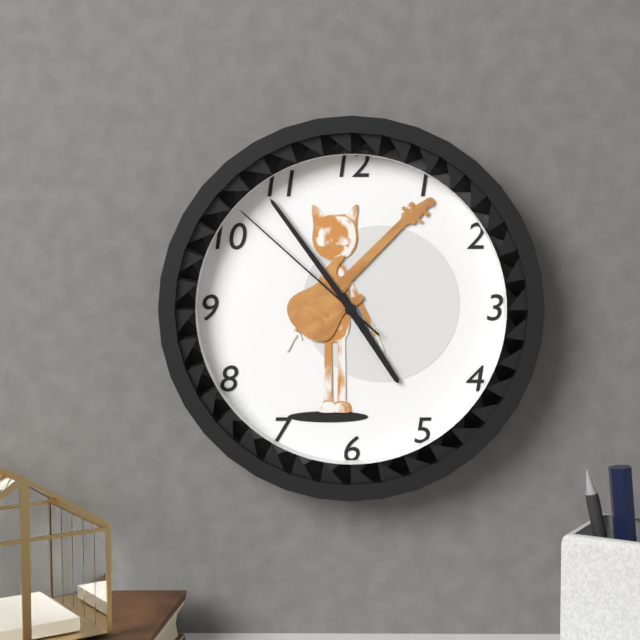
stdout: 4h54m52s
